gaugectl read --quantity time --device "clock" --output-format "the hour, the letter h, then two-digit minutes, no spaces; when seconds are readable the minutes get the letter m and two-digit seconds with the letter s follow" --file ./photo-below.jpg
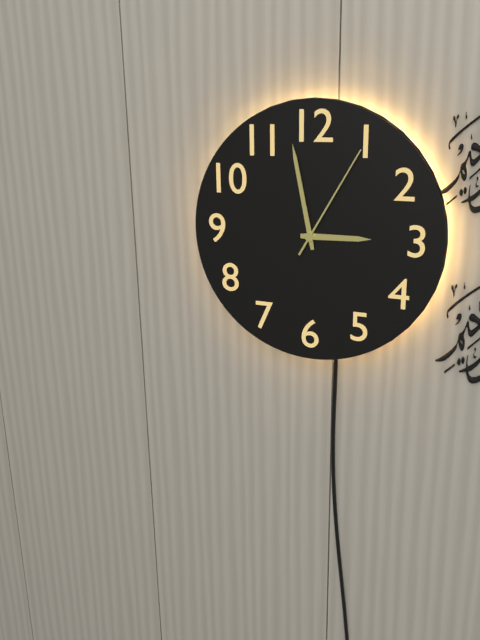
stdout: 2h58m05s
